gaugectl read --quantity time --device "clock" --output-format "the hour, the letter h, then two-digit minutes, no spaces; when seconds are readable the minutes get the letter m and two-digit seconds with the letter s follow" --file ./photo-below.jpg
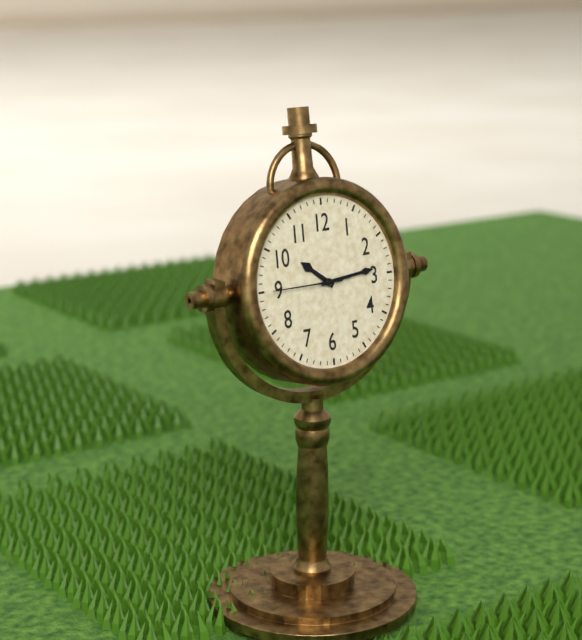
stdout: 10h14m45s
